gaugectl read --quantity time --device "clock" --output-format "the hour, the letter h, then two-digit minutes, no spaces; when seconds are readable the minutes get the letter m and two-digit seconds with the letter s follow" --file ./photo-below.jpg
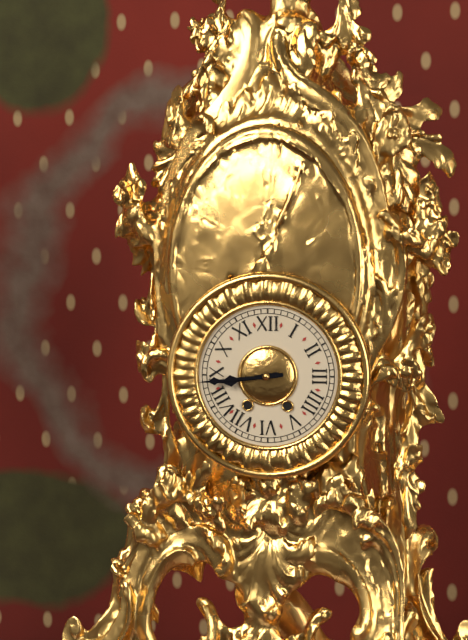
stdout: 8h44
